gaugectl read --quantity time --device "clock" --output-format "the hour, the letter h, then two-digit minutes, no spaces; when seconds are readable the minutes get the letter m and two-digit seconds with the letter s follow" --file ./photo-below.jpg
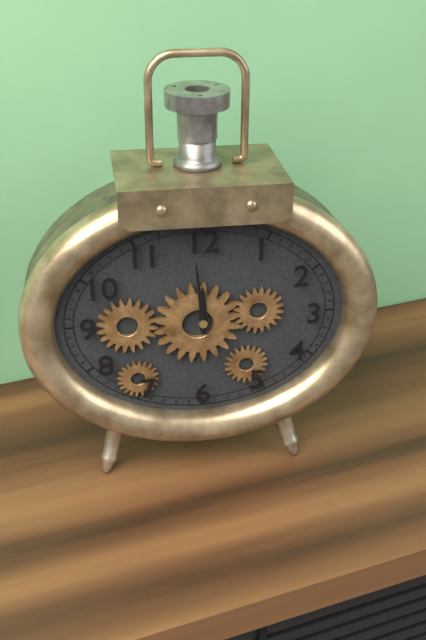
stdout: 11h59
